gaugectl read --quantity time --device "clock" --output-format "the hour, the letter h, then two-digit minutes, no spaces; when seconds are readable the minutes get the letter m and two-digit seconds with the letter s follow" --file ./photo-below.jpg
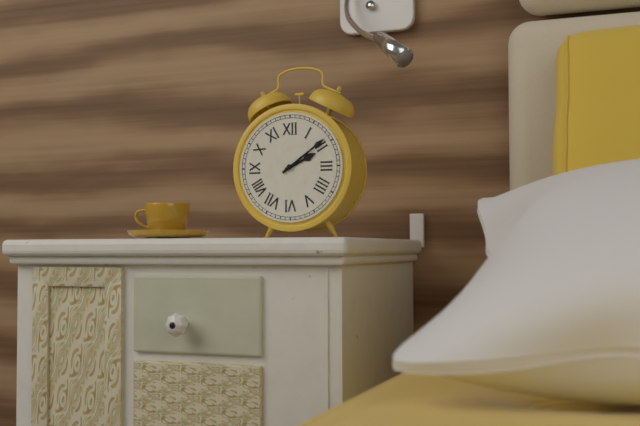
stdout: 2h09
